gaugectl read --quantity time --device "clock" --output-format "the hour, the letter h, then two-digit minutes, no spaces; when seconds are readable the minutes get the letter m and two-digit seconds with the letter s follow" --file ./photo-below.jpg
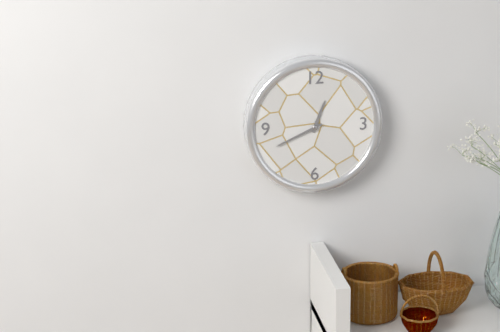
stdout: 12h41
